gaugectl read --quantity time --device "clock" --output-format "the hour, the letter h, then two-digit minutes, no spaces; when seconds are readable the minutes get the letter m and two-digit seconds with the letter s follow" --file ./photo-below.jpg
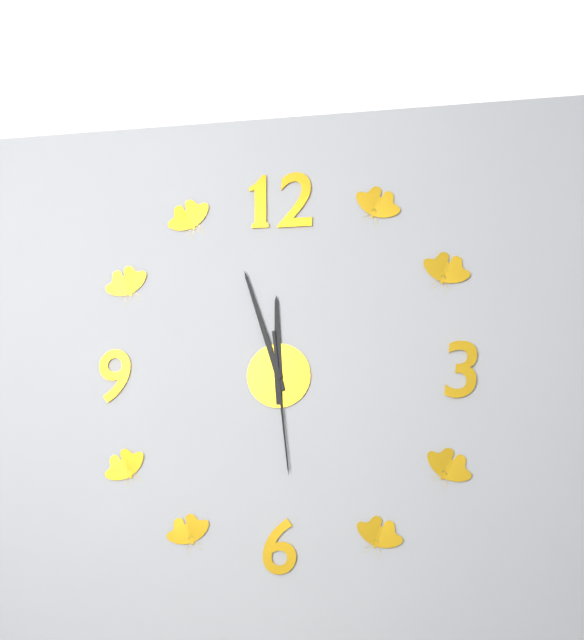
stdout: 11h57m29s
